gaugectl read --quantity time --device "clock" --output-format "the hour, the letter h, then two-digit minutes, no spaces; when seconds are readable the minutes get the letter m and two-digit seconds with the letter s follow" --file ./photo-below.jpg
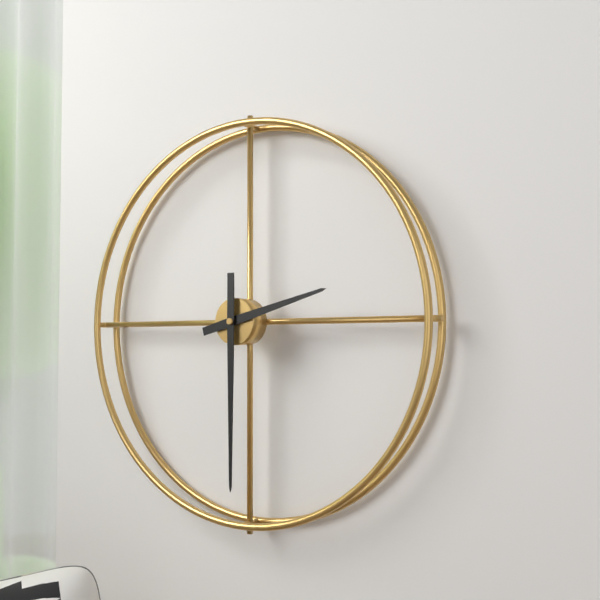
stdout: 2h30
